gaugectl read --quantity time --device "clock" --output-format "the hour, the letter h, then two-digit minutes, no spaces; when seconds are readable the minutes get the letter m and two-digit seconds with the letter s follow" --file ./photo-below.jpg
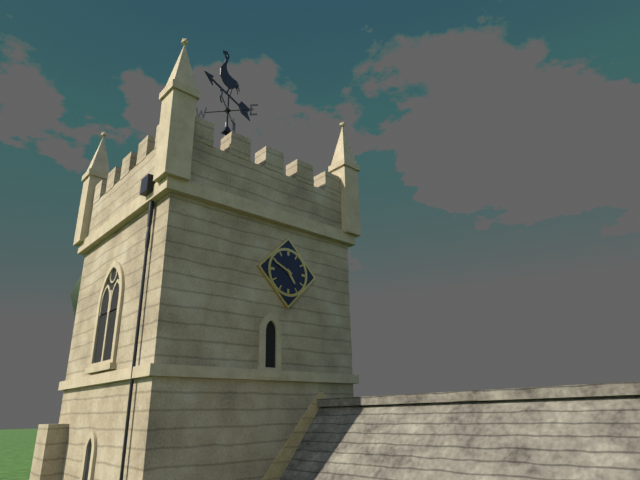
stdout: 4h49
